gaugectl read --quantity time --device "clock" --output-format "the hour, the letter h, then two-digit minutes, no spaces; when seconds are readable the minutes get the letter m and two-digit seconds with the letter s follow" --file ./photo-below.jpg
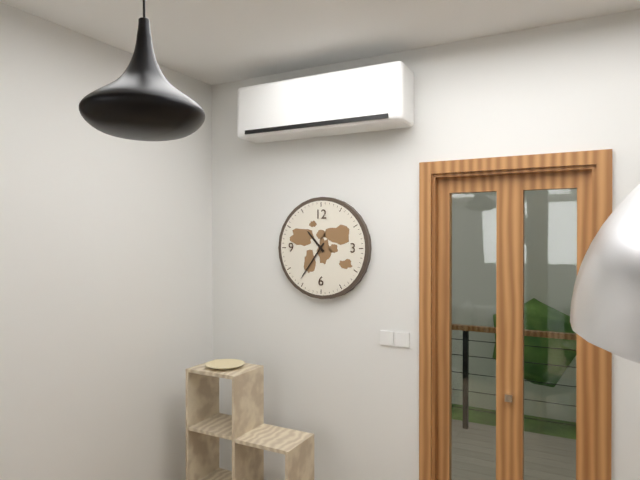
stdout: 10h36
